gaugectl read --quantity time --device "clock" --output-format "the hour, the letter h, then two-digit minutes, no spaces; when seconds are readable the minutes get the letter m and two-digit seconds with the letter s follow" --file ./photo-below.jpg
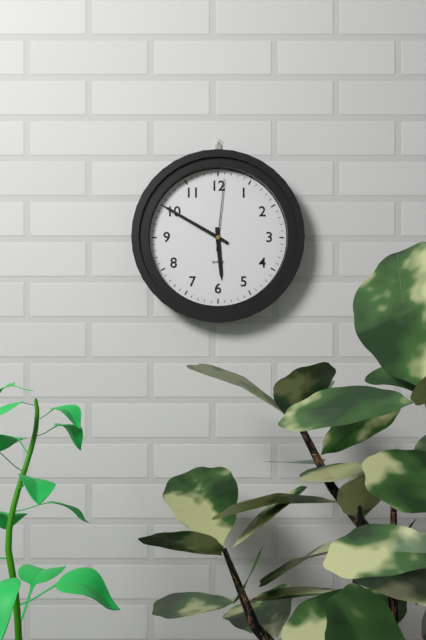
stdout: 5h50m01s
